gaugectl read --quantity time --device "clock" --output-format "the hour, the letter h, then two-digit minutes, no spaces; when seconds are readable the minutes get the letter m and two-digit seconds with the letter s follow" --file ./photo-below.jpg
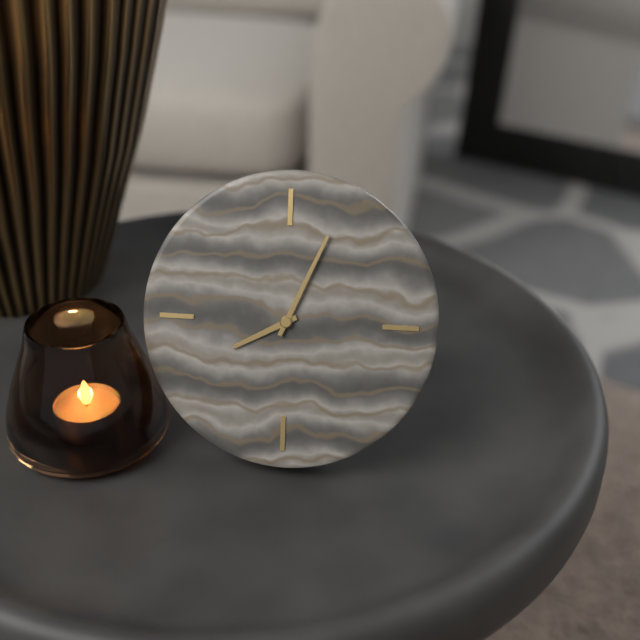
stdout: 8h04
